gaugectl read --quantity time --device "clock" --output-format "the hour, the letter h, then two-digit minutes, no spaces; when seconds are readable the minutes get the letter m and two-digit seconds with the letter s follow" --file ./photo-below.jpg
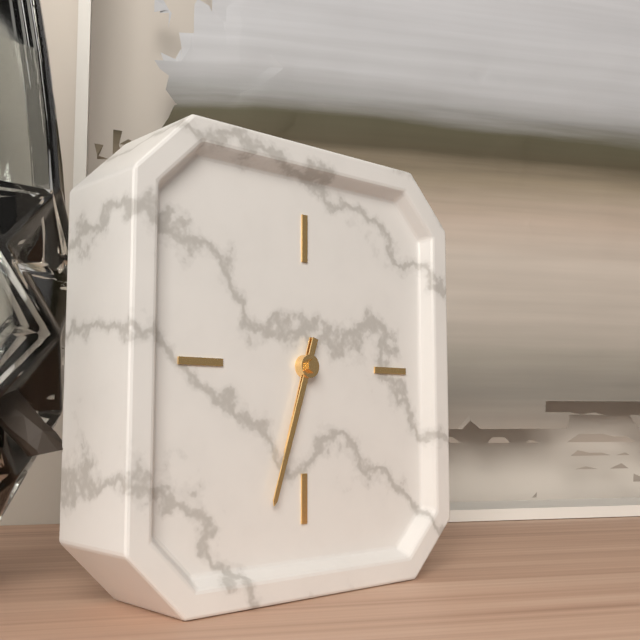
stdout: 6h33
